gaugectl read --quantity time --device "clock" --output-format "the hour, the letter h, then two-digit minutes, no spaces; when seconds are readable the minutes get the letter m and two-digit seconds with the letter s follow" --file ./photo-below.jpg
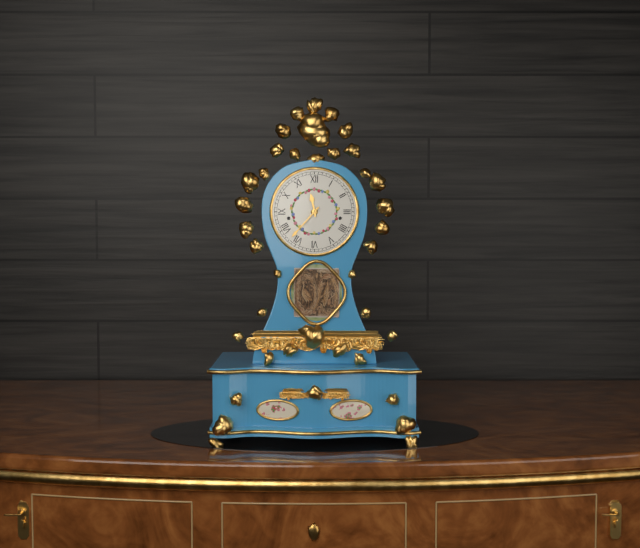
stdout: 11h37
